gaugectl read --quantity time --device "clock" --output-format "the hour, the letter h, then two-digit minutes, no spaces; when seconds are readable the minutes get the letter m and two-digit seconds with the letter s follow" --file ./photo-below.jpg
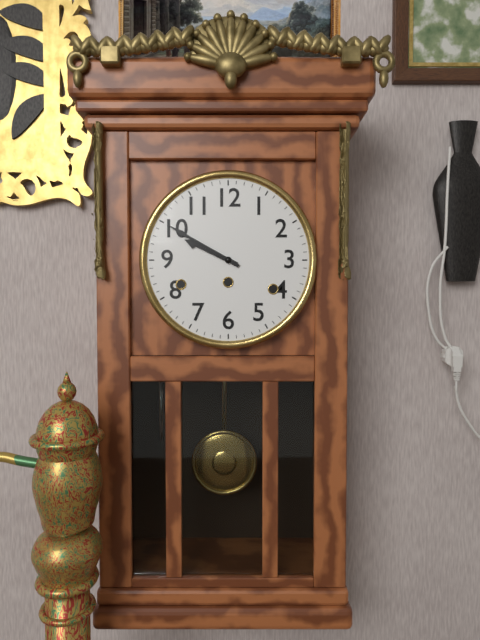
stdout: 9h50
